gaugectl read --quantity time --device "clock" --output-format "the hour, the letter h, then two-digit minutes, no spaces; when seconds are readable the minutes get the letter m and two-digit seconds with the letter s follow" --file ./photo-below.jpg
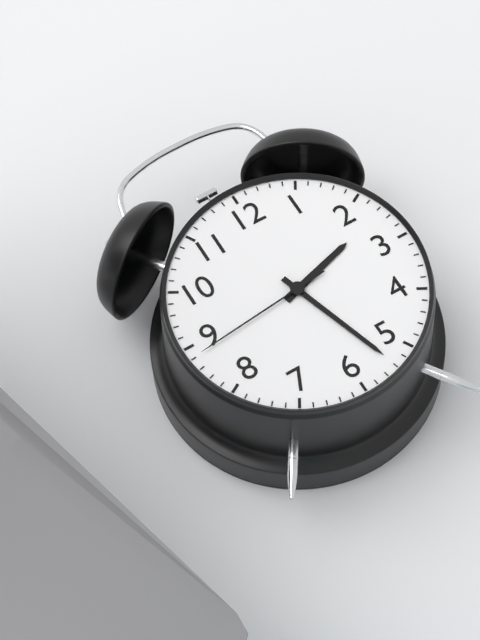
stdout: 2h27m44s
